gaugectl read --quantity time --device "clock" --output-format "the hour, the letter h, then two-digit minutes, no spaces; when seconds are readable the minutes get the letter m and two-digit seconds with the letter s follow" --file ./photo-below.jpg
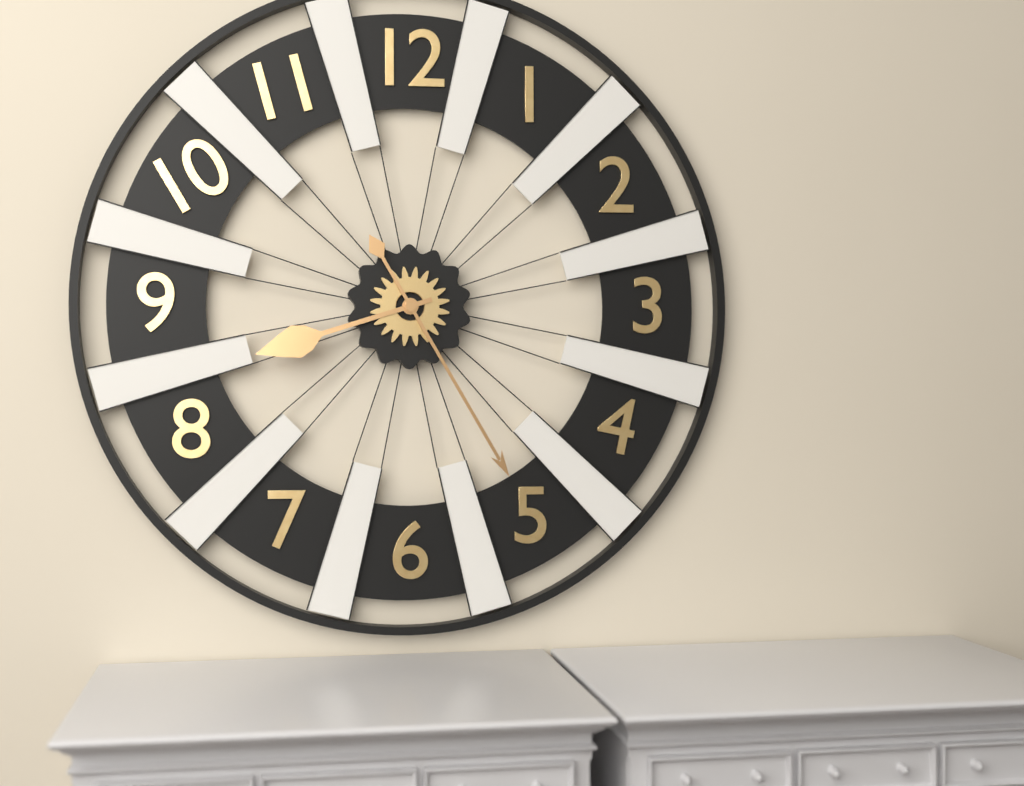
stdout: 8h25
